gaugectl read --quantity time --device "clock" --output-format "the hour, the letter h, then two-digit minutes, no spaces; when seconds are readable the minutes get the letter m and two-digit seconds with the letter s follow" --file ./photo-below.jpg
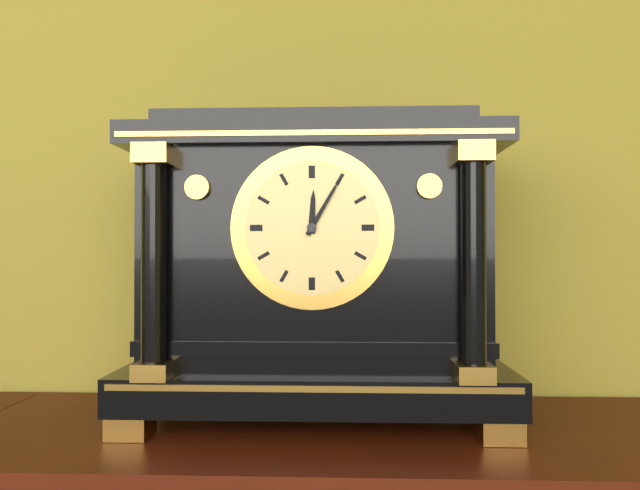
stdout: 12h05
